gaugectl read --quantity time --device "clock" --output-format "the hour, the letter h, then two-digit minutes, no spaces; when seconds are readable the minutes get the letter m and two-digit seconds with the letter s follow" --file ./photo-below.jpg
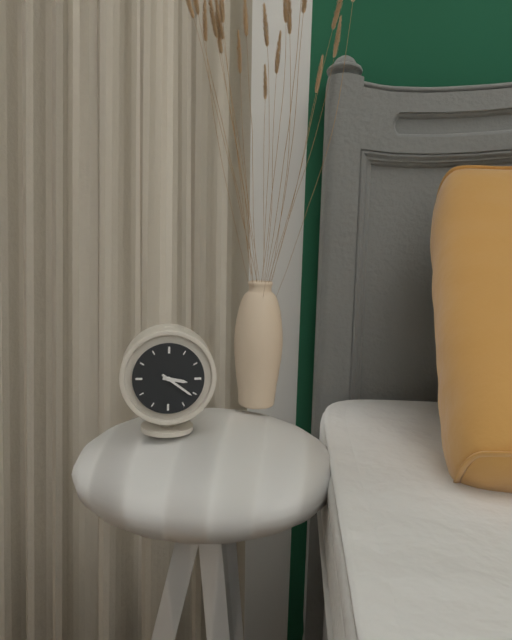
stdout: 3h21
